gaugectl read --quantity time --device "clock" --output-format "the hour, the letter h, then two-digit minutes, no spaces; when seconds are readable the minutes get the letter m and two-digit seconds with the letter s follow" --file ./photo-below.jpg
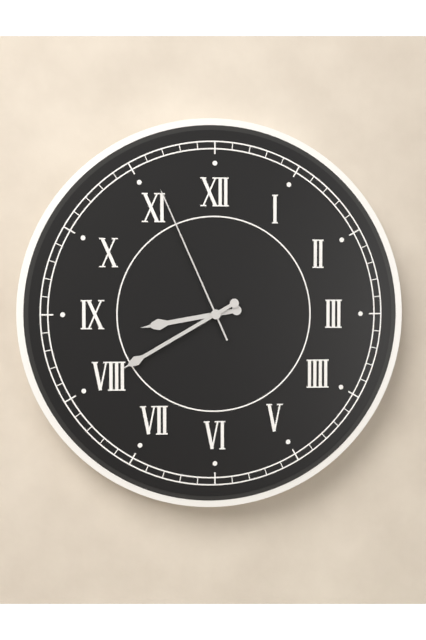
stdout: 8h40m56s
